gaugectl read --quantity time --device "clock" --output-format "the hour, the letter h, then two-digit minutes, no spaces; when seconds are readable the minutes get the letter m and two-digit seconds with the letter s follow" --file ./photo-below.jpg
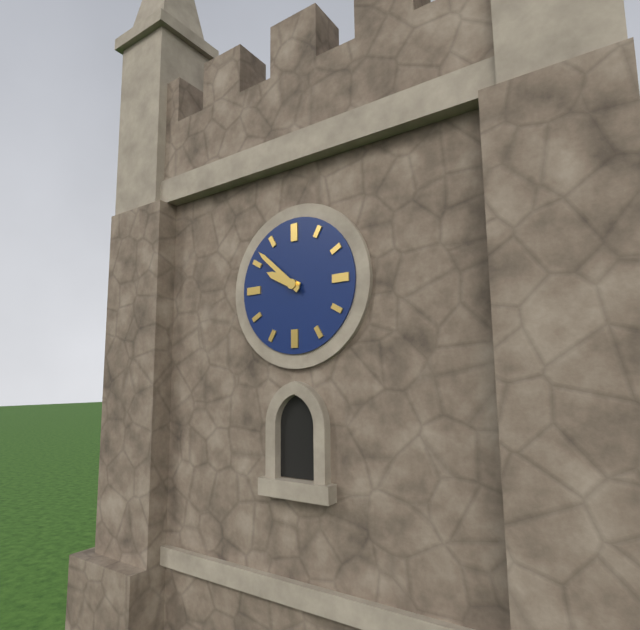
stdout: 9h52
